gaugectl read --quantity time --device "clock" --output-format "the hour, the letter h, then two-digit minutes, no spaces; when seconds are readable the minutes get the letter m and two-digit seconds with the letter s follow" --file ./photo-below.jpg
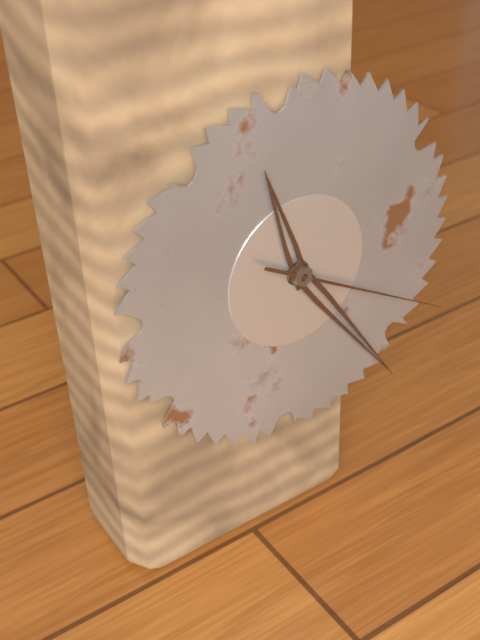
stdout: 11h24m20s
